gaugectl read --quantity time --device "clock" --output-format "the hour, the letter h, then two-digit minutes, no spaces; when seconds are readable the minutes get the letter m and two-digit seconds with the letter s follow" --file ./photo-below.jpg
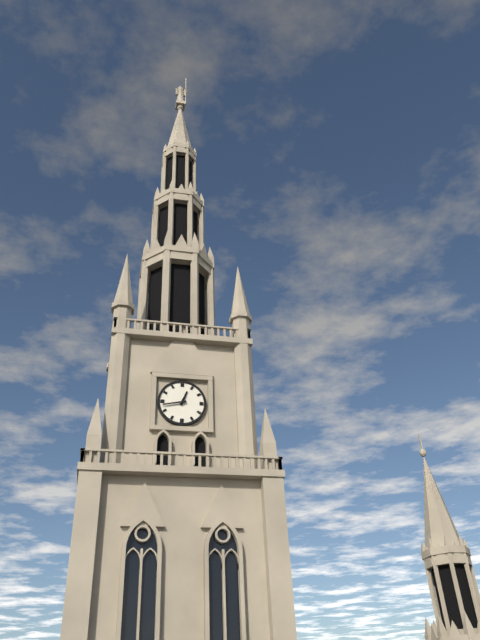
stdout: 12h43
